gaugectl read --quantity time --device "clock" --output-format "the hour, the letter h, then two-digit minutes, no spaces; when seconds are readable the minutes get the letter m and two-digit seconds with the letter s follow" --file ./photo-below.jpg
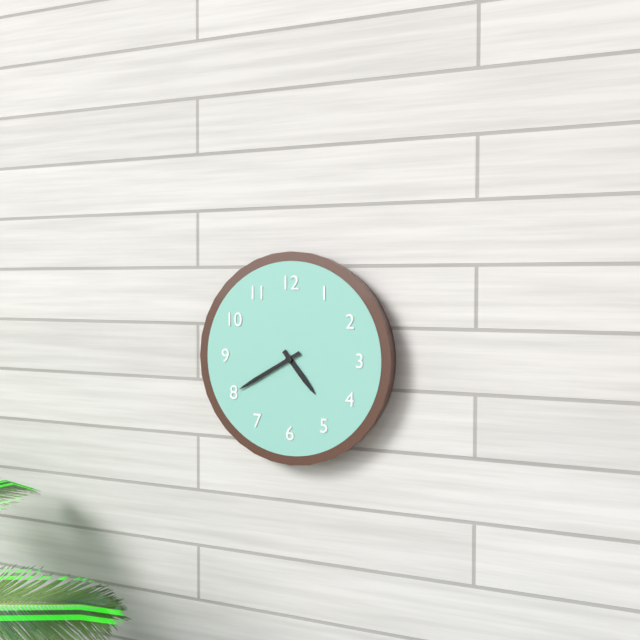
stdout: 4h40
